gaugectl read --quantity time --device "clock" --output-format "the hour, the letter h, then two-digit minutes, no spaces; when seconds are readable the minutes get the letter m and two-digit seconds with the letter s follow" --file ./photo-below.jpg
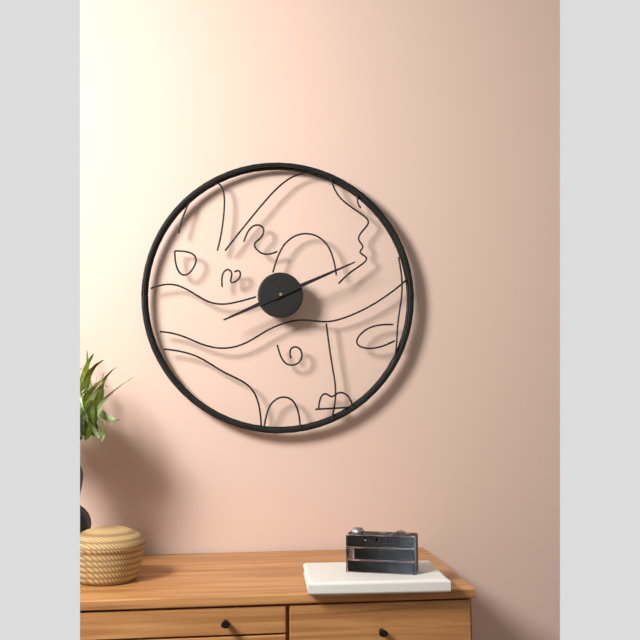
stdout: 8h11
